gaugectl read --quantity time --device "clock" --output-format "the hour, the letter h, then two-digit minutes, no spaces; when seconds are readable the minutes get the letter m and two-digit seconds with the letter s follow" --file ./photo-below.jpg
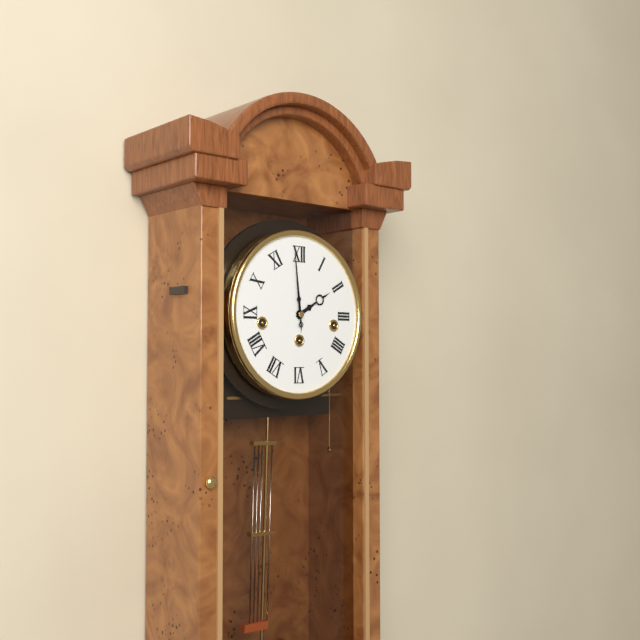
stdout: 1h59
